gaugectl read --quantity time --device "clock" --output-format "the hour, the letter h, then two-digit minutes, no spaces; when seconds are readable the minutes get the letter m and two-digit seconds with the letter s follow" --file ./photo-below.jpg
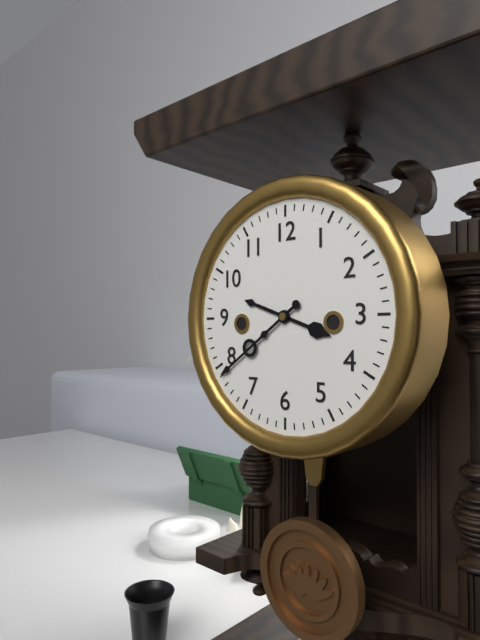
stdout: 3h39
